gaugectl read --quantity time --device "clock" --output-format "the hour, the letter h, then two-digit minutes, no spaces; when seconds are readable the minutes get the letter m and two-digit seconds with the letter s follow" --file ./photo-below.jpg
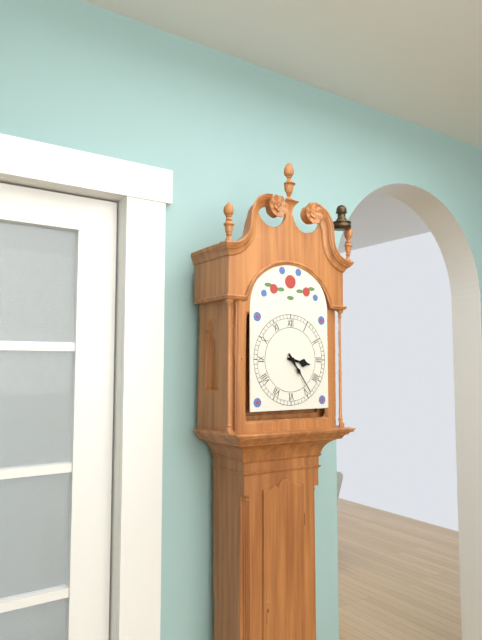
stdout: 3h24
